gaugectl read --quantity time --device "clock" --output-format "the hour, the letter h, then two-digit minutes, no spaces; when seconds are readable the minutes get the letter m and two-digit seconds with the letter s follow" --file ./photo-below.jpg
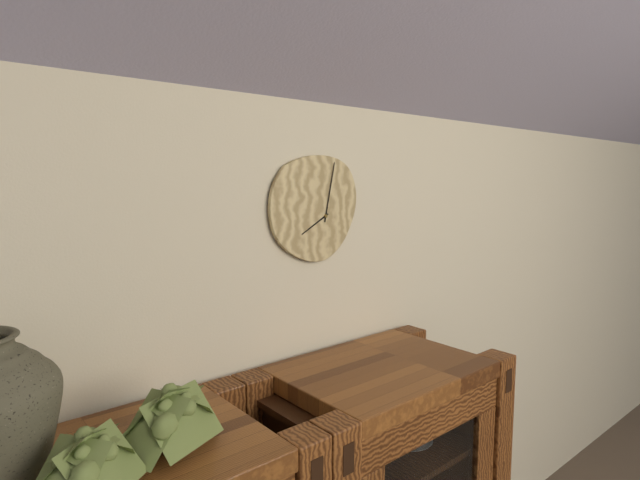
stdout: 8h02
